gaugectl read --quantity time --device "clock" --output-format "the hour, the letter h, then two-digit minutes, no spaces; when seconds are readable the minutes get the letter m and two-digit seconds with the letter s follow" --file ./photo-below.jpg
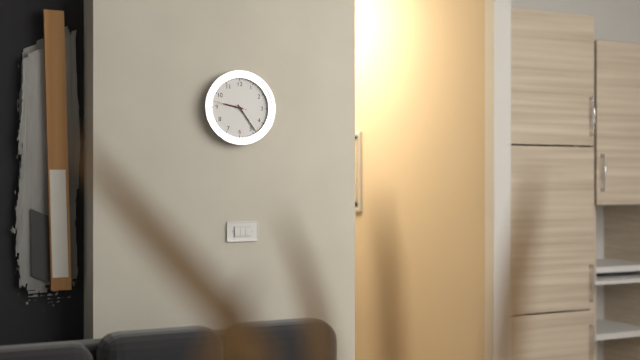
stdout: 9h24
